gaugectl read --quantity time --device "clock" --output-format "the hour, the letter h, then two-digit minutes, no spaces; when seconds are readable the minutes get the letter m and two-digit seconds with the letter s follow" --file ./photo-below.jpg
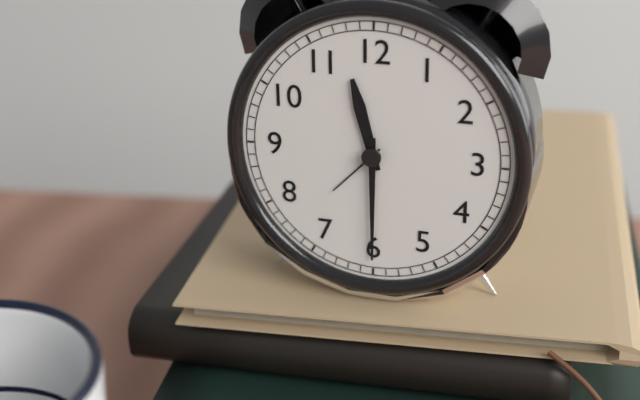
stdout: 11h30
